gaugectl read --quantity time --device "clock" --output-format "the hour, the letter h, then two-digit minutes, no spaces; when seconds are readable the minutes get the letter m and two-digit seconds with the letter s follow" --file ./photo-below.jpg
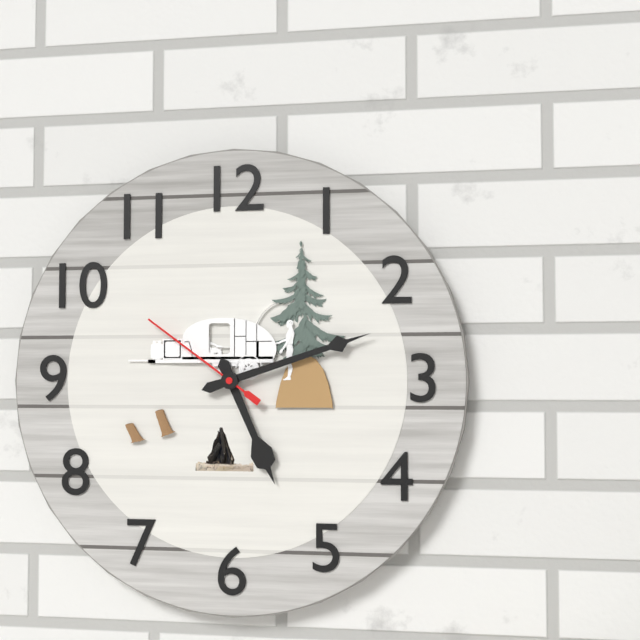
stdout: 5h12m51s
